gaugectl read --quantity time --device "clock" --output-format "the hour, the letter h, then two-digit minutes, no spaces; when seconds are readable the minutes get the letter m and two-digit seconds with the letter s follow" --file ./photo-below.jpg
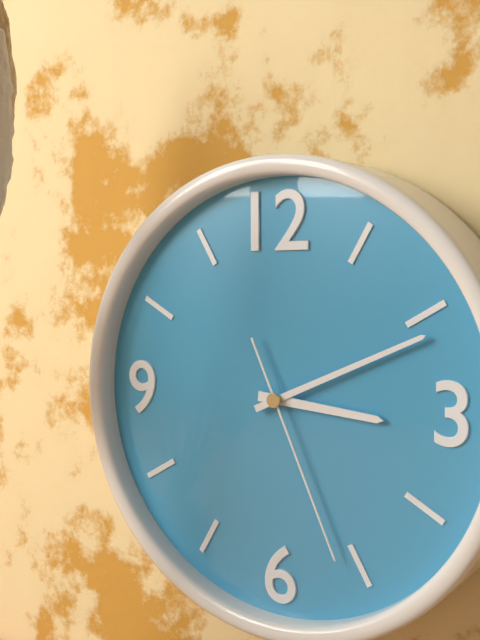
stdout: 3h11m26s
